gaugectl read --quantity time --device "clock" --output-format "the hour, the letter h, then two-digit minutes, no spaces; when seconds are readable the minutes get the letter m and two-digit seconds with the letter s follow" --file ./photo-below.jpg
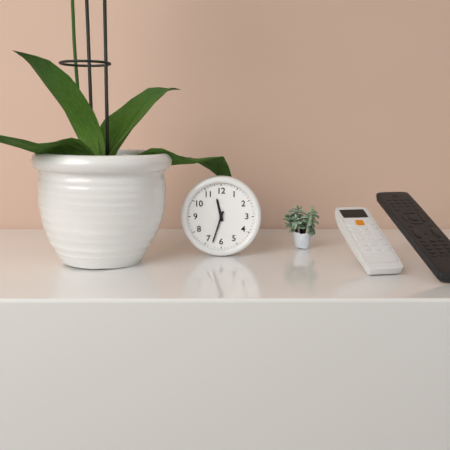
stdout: 11h33
